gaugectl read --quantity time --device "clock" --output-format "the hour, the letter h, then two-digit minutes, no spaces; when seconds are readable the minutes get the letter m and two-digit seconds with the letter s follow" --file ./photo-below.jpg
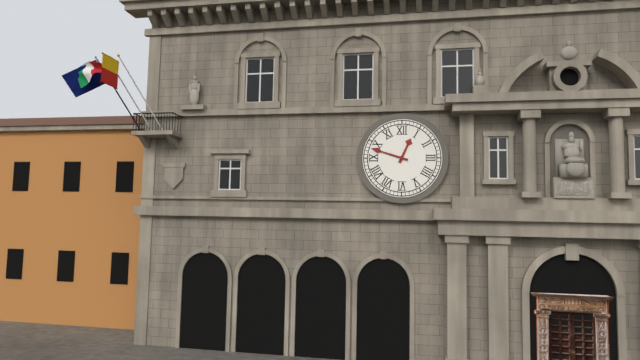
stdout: 12h48
